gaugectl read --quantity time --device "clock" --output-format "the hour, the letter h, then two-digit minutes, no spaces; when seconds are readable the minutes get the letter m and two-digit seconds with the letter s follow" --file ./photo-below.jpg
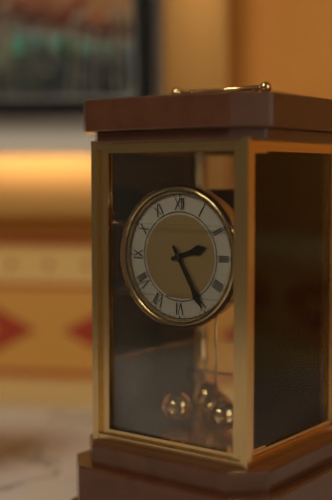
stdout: 2h25
